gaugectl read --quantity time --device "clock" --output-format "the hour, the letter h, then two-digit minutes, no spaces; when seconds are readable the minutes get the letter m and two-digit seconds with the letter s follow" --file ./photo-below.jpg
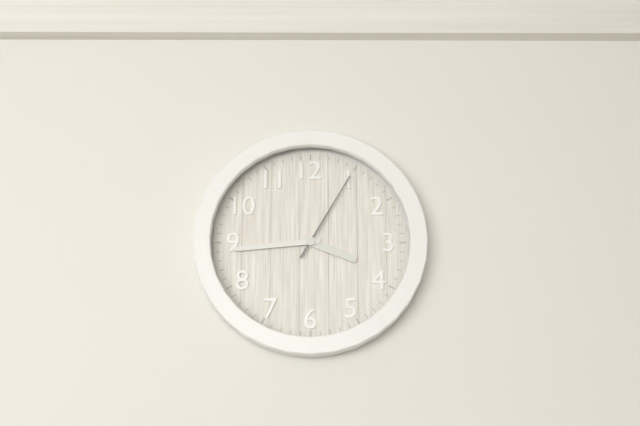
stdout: 3h44m05s
